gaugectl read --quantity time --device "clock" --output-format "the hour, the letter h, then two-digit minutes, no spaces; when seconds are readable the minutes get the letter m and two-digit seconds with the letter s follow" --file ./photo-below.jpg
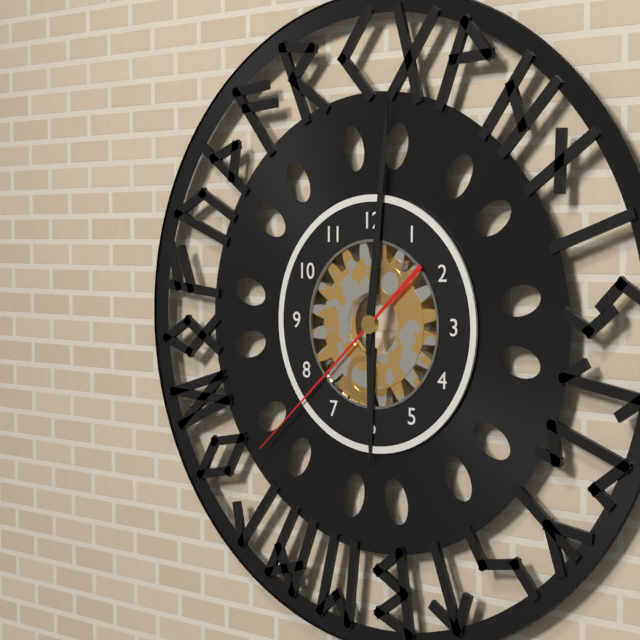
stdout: 6h01m38s
